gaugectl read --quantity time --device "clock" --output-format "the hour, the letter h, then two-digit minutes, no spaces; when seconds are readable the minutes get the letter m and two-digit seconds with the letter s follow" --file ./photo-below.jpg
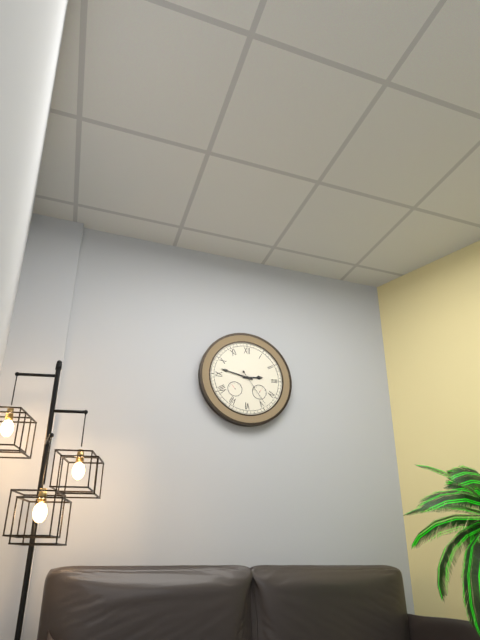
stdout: 2h47
